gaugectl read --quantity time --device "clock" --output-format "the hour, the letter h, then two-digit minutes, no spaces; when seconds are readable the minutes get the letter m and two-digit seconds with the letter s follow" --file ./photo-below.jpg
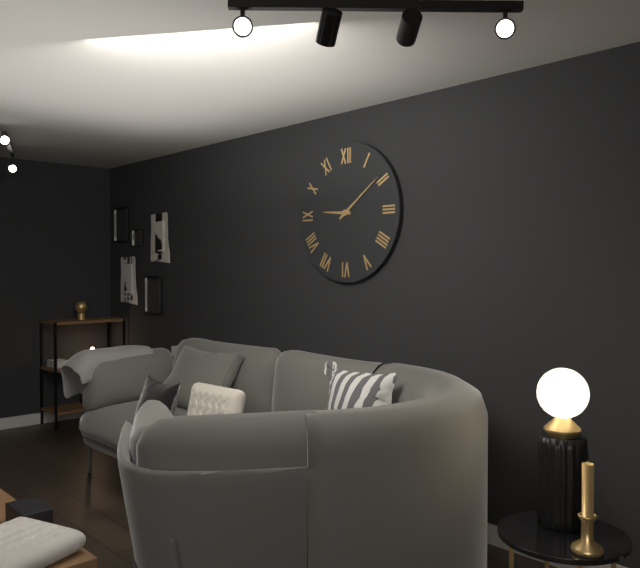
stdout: 9h09
